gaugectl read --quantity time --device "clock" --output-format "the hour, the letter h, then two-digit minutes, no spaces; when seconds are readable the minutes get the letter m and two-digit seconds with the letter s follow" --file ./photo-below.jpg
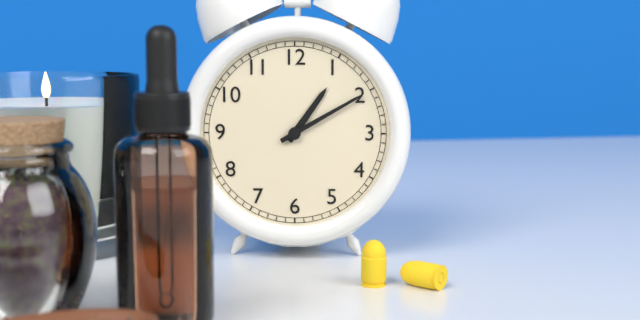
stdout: 1h10
